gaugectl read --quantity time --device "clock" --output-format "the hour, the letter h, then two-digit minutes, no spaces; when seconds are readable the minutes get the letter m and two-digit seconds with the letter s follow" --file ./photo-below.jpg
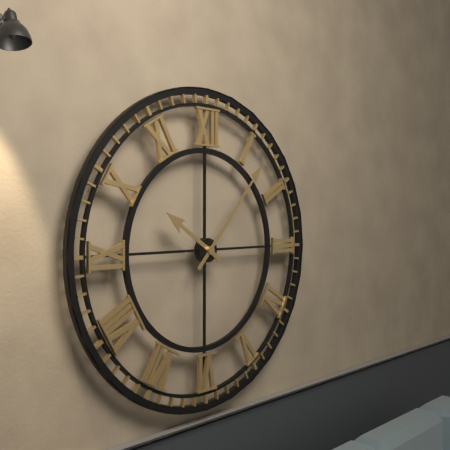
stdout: 10h07
